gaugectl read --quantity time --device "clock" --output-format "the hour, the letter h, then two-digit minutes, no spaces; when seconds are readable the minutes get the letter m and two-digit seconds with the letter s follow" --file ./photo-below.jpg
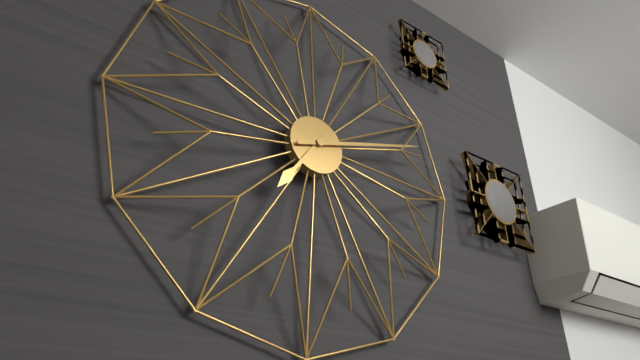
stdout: 7h12
